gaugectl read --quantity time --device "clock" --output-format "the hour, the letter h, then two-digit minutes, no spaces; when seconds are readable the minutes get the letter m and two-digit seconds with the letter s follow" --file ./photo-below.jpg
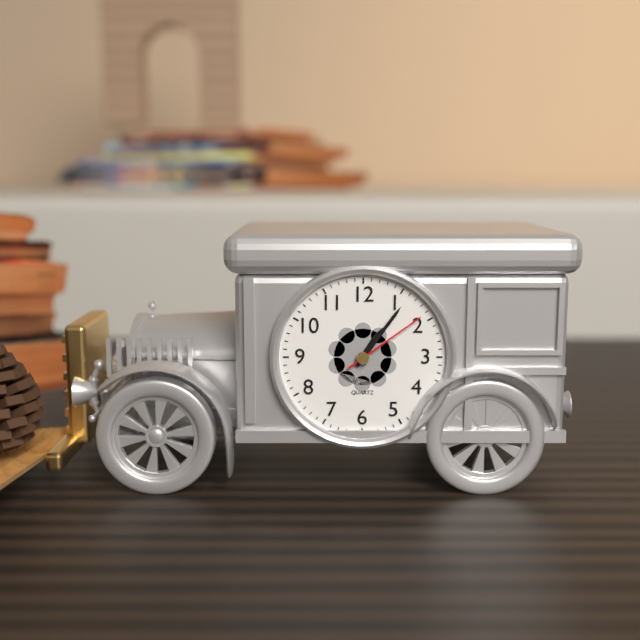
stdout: 1h06m09s
